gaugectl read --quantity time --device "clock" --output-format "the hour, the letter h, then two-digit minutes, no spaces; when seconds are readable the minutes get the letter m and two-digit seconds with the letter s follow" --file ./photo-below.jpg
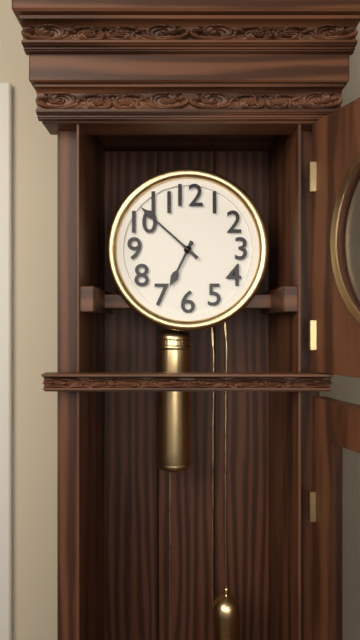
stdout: 6h52
